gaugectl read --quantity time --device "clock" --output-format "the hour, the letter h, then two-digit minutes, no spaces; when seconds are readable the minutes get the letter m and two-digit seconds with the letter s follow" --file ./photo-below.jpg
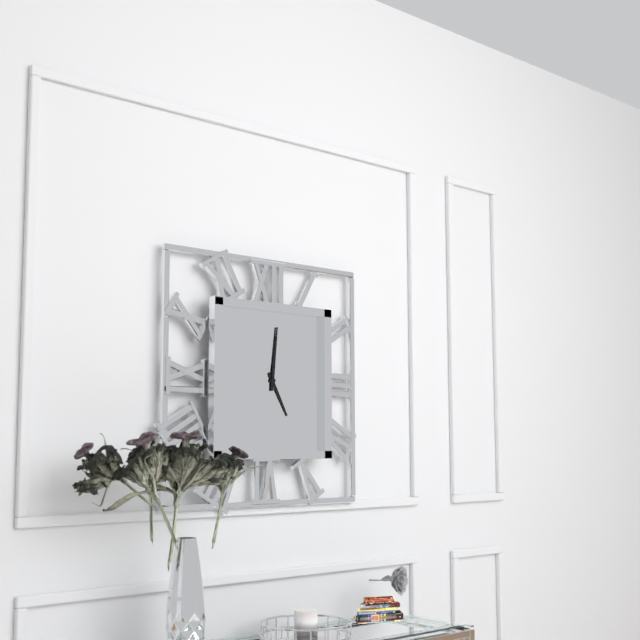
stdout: 5h01
